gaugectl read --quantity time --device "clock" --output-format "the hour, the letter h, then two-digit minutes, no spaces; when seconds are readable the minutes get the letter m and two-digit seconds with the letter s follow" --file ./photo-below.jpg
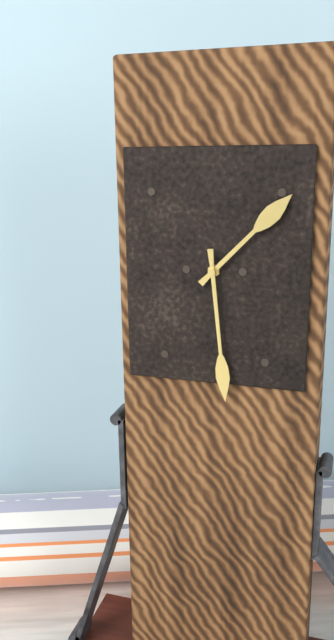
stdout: 1h29
